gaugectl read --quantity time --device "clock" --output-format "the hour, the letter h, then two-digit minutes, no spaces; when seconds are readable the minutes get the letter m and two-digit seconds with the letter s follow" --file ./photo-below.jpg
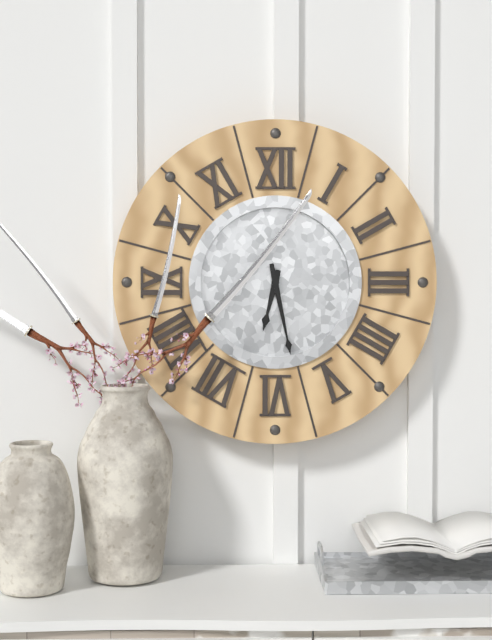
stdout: 6h28
